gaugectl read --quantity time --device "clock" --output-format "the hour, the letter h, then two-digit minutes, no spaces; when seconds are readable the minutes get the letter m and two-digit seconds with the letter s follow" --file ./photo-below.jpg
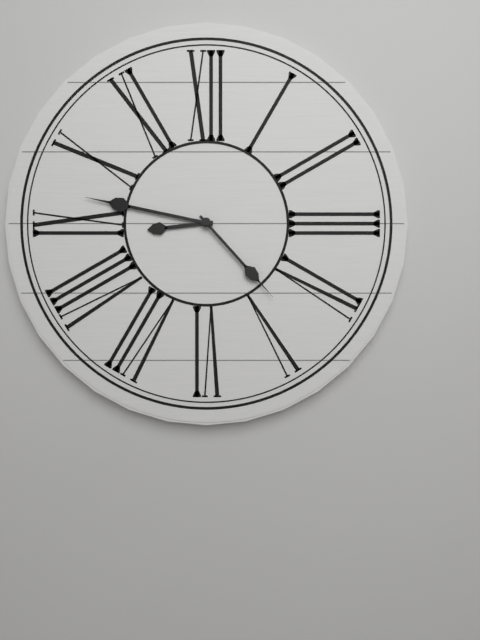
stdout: 8h47m23s
